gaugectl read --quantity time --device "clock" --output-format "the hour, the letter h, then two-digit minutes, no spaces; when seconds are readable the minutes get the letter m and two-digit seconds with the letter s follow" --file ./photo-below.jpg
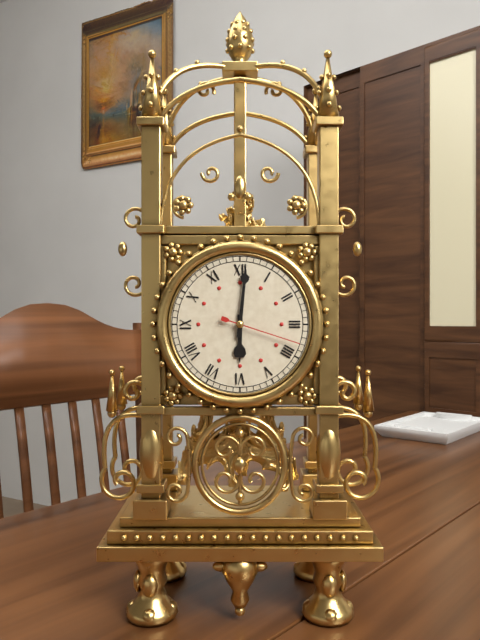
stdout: 6h01m18s
